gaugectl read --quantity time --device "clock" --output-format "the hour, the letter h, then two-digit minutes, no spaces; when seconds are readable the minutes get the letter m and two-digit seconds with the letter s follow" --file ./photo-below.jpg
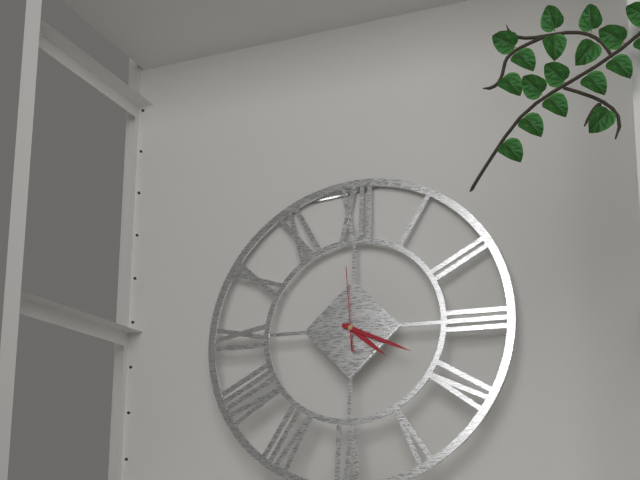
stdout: 4h19m59s
